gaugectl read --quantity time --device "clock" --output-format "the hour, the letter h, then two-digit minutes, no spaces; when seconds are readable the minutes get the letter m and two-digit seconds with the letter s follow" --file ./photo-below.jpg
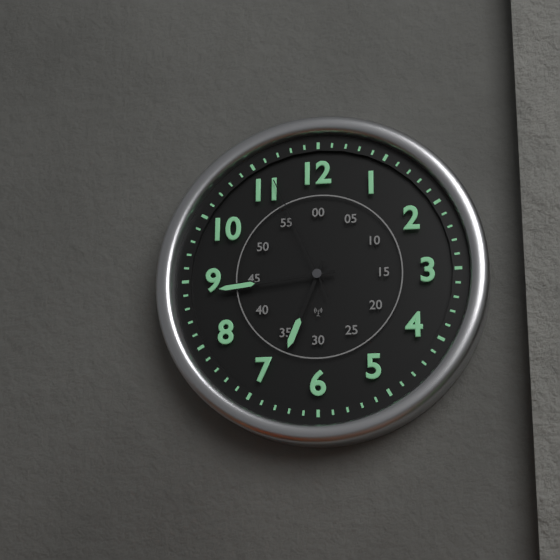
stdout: 6h44m56s
